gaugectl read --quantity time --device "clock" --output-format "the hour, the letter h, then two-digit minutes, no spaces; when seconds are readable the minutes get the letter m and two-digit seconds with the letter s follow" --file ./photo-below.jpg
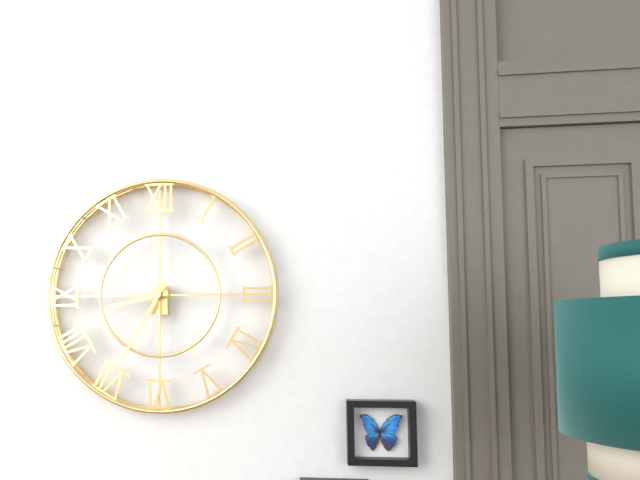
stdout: 8h35
